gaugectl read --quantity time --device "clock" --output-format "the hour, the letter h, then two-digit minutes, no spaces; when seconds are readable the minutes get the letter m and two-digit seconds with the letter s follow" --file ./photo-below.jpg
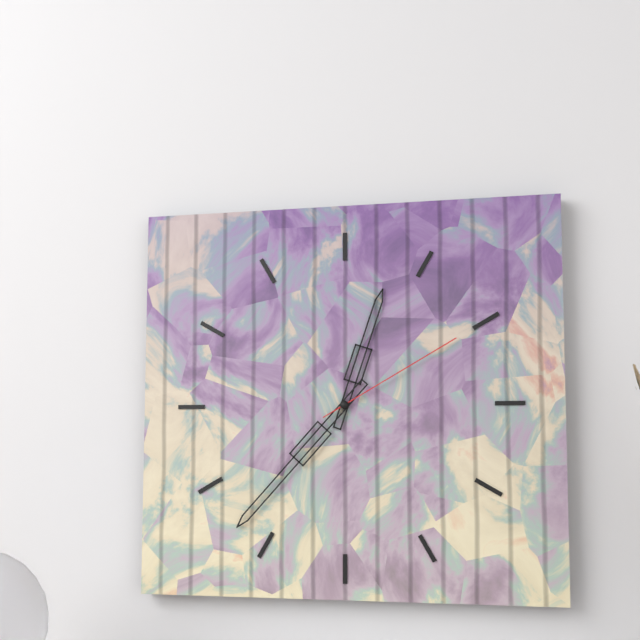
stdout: 12h37m10s
